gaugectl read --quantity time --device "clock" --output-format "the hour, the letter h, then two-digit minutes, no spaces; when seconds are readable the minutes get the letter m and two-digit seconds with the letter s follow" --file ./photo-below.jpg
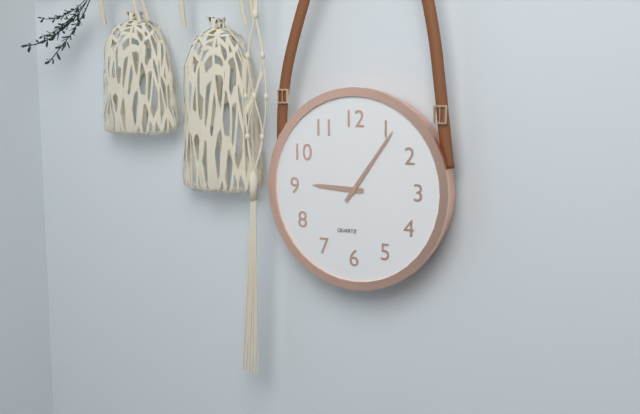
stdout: 9h06
